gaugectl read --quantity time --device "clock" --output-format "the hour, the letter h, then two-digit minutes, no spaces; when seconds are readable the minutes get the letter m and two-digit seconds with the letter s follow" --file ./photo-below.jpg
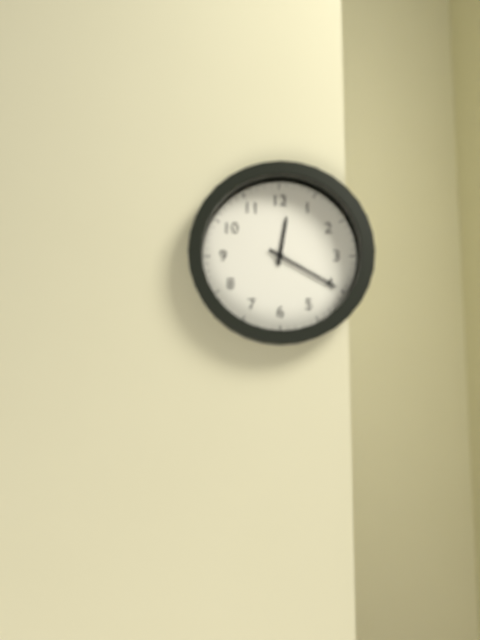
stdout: 12h20
